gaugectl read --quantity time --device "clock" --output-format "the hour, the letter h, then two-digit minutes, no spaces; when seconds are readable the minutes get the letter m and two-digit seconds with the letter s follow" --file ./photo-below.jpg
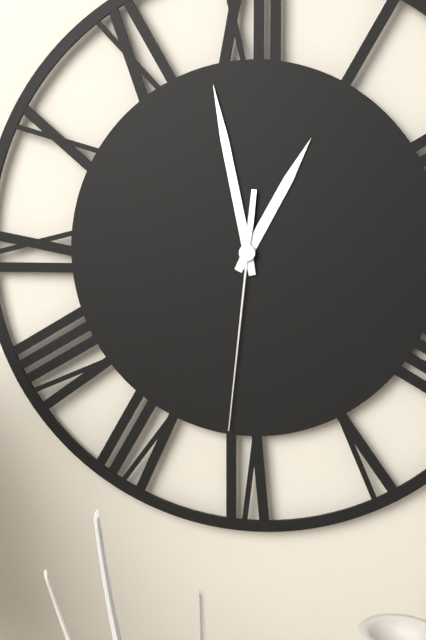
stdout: 12h58m31s
